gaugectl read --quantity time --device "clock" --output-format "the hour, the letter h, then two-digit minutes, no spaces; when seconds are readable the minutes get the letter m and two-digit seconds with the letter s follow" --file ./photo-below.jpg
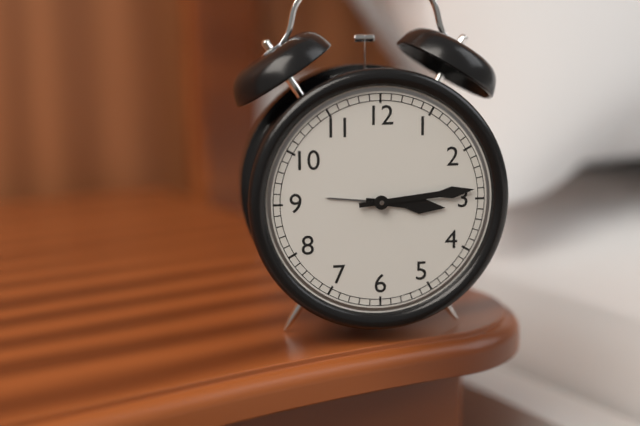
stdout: 3h14
